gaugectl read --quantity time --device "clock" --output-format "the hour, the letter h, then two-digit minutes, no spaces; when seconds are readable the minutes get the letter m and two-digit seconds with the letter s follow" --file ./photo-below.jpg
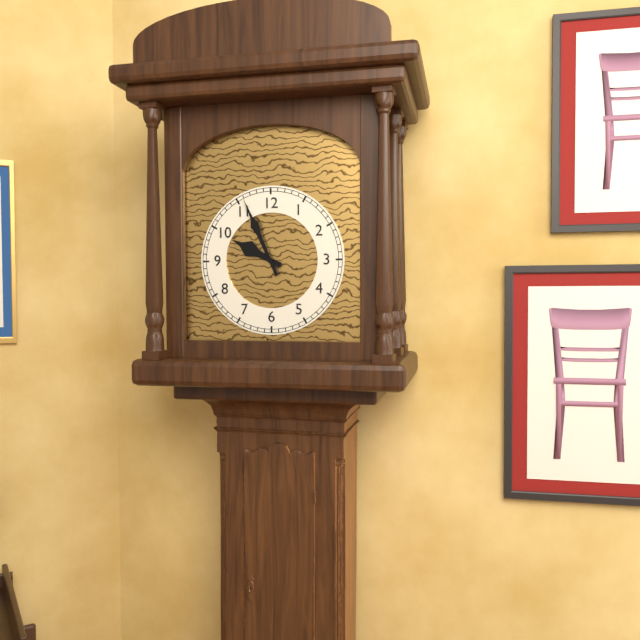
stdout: 9h56
